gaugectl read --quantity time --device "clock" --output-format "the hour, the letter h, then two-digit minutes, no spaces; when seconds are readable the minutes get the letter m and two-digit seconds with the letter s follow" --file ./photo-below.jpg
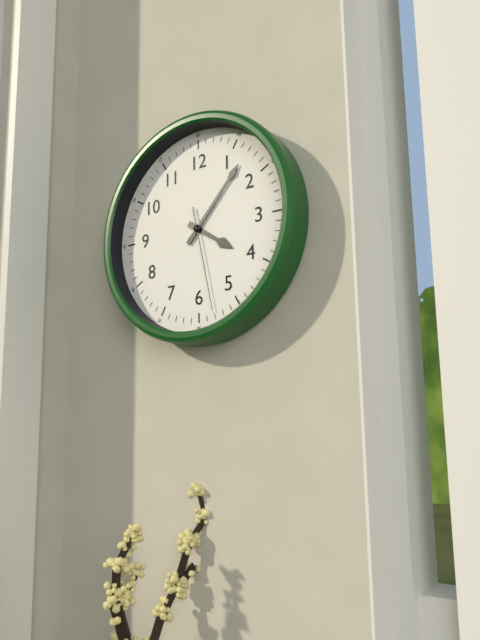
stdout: 4h07m28s
